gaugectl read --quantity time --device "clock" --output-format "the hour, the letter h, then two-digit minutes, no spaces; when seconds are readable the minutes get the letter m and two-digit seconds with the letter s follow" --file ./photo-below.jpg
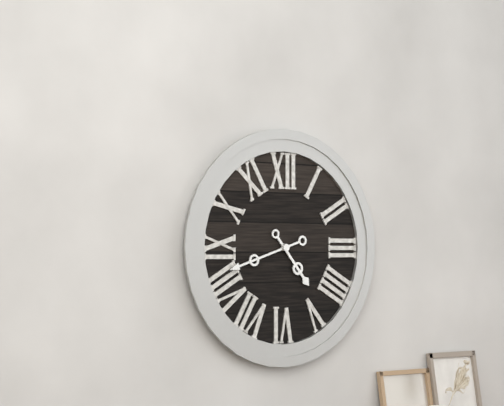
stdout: 4h42
